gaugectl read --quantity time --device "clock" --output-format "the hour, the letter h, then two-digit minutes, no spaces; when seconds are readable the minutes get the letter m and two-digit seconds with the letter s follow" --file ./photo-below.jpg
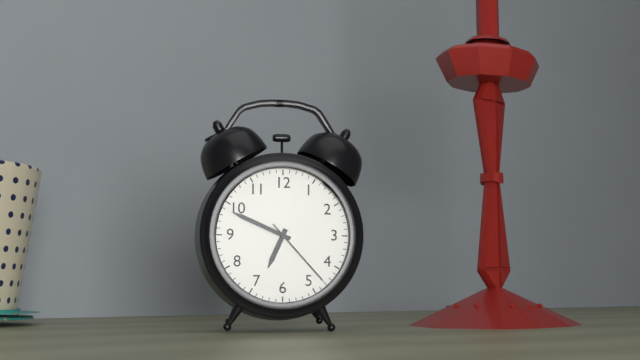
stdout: 6h49m23s
